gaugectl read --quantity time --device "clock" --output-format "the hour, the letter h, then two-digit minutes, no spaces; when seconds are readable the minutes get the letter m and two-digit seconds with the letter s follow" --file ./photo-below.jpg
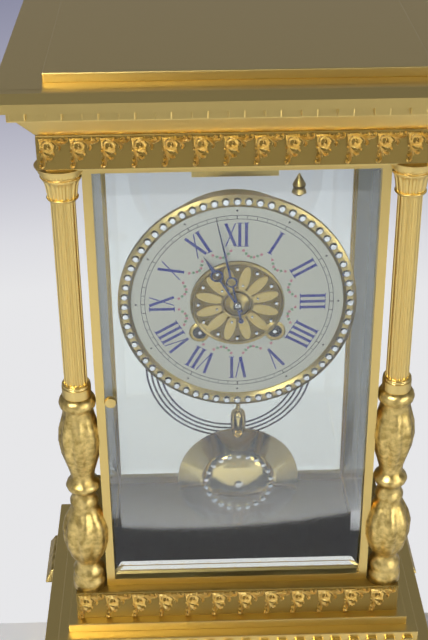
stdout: 10h58
